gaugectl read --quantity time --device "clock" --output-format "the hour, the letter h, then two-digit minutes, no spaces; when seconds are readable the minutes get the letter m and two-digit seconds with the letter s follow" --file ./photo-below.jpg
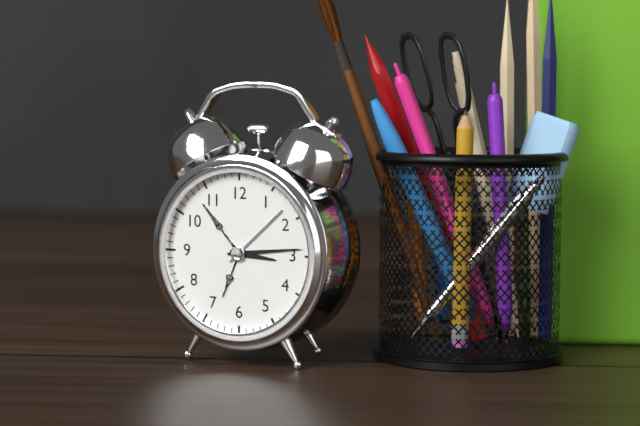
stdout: 3h14
